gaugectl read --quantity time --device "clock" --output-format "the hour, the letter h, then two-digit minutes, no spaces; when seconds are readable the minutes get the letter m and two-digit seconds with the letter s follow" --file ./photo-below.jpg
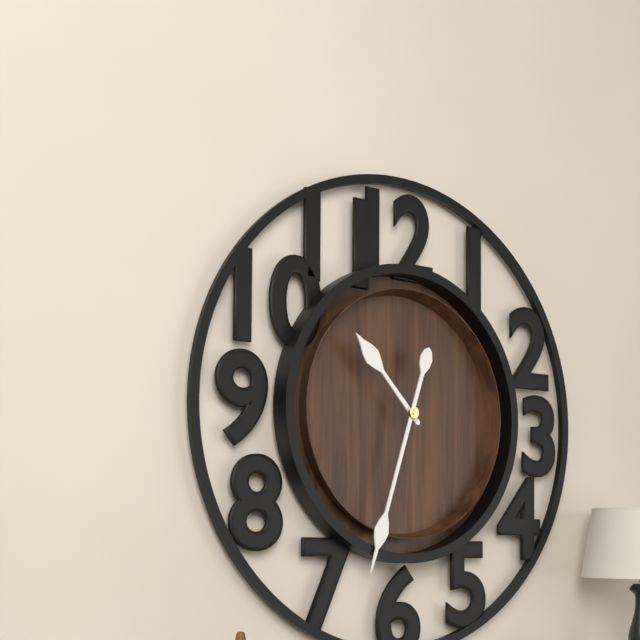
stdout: 10h33
